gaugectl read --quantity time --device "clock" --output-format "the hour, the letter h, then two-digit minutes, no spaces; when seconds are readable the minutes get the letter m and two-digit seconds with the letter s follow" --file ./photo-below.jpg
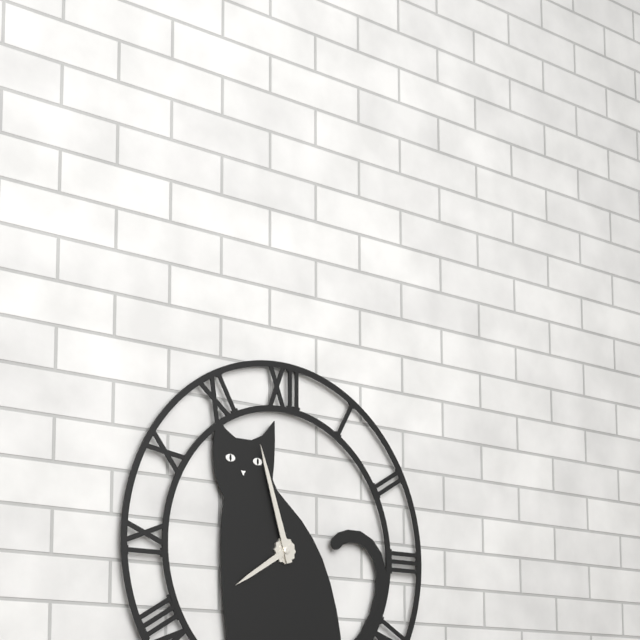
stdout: 7h57
